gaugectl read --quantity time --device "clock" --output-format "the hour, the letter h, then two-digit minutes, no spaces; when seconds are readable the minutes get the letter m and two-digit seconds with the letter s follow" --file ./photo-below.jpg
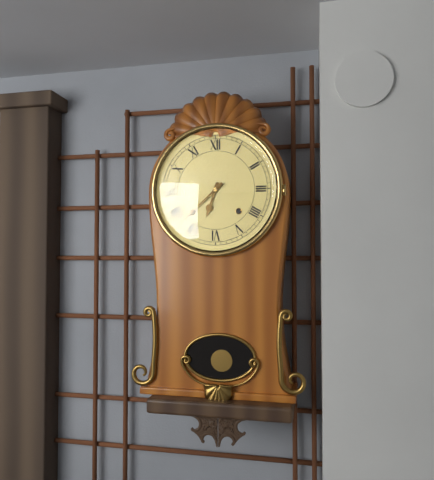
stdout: 6h38
